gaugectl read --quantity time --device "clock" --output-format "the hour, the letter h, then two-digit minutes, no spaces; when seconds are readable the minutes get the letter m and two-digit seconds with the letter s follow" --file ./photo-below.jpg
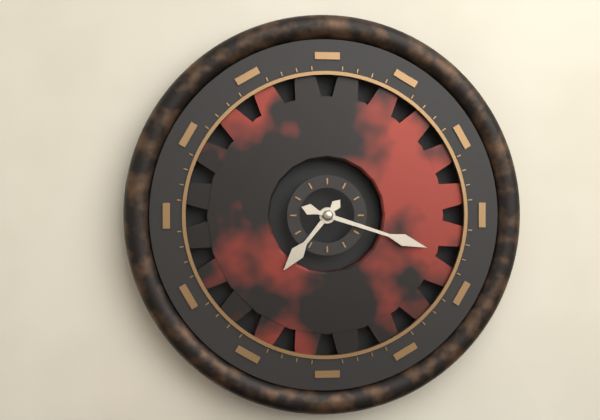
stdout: 7h18
